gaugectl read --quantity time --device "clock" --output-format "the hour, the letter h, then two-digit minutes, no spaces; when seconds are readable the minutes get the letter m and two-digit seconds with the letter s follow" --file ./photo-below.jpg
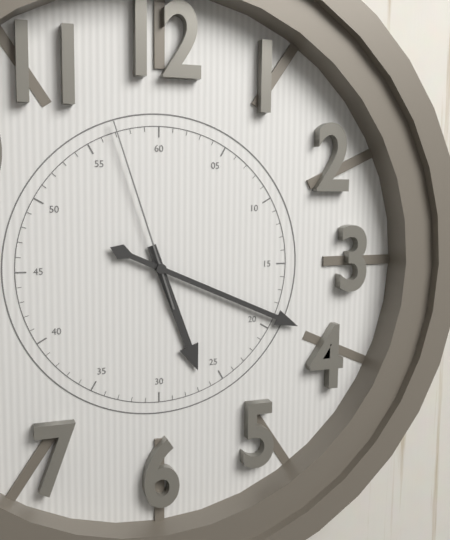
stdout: 5h19m57s
